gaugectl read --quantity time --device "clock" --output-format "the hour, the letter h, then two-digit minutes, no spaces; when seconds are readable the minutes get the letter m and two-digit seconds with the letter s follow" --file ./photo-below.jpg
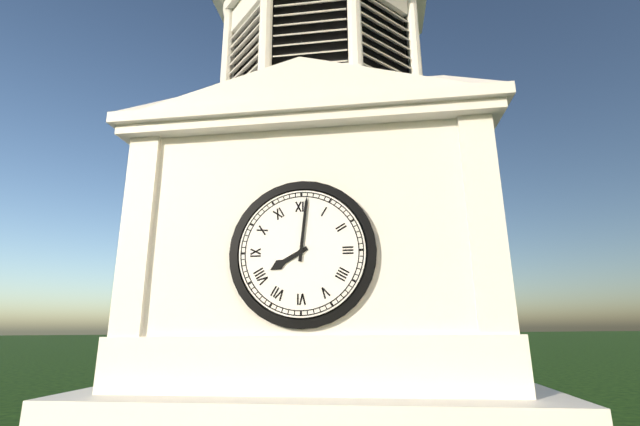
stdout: 8h01
